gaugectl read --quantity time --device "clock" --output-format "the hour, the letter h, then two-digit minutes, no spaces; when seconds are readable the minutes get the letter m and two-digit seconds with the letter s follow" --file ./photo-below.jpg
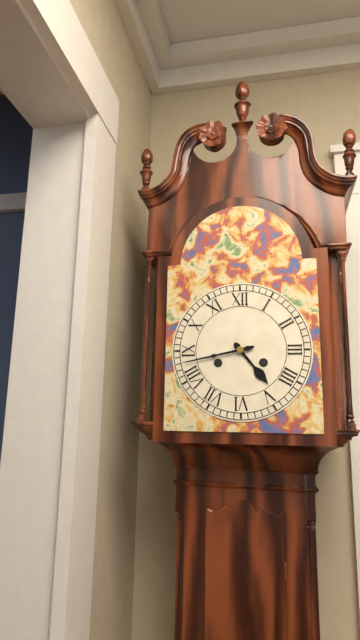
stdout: 4h43
